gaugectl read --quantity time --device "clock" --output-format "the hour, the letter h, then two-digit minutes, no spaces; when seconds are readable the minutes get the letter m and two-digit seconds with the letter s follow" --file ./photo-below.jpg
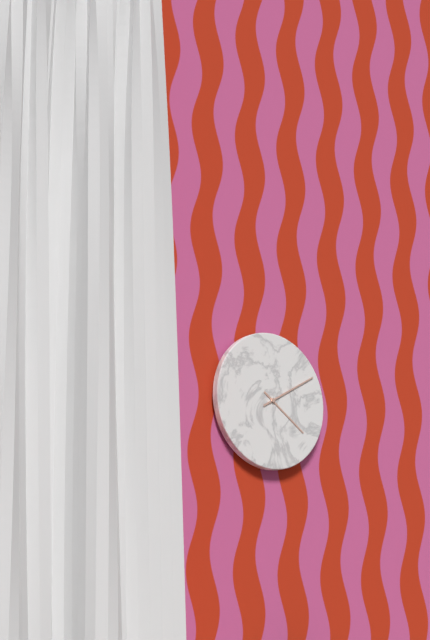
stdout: 4h10
